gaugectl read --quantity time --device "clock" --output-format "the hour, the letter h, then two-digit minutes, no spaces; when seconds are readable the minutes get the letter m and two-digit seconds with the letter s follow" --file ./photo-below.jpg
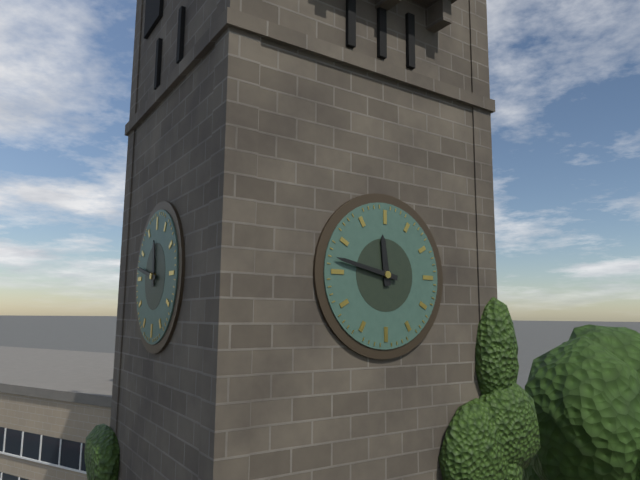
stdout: 11h47
